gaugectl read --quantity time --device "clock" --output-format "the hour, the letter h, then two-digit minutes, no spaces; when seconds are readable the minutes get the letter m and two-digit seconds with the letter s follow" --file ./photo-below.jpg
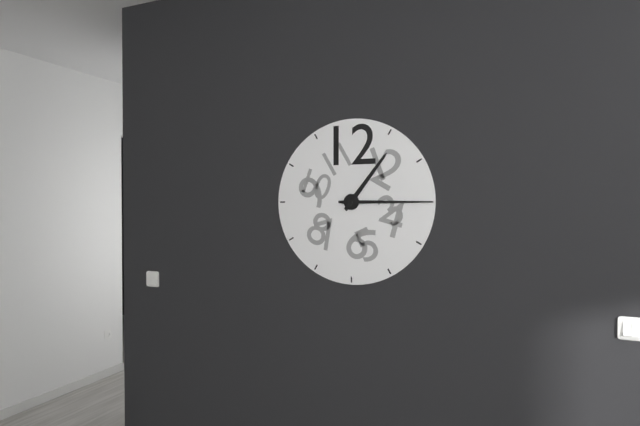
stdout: 1h15
